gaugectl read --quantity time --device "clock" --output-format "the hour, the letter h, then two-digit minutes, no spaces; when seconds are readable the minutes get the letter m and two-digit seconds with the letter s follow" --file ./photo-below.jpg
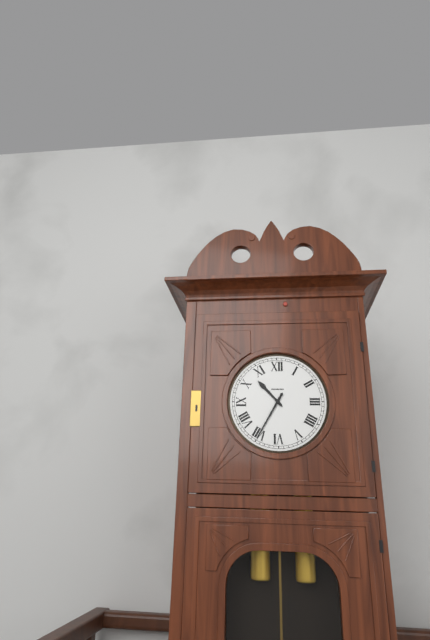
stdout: 10h35
